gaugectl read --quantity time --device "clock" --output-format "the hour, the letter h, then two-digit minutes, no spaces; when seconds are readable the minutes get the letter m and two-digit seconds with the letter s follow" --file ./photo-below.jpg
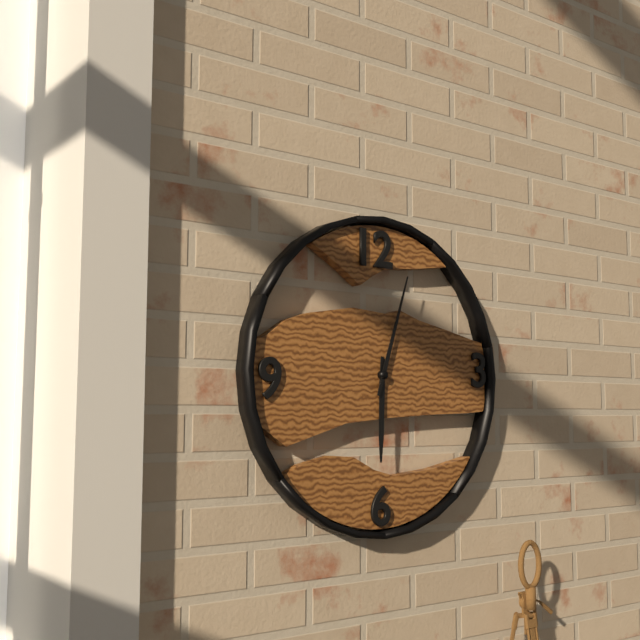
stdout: 6h03
